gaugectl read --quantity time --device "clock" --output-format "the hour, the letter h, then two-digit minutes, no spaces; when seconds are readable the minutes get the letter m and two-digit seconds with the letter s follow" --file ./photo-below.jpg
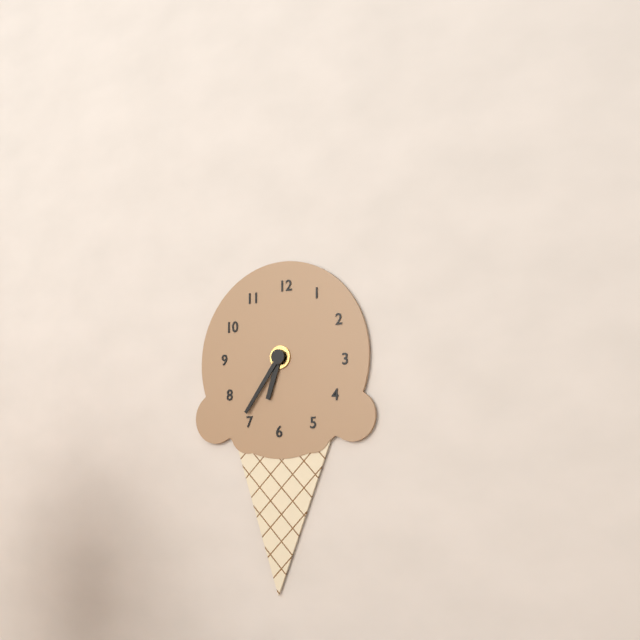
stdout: 6h36
